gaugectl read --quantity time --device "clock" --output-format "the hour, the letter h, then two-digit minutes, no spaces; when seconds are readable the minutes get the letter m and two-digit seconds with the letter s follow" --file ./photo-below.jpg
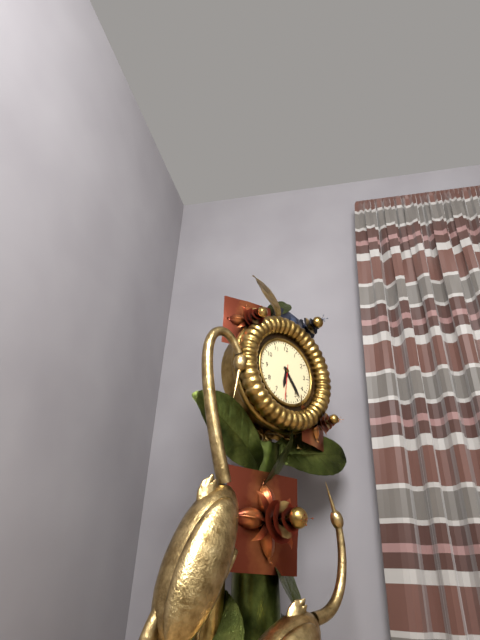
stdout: 6h24
